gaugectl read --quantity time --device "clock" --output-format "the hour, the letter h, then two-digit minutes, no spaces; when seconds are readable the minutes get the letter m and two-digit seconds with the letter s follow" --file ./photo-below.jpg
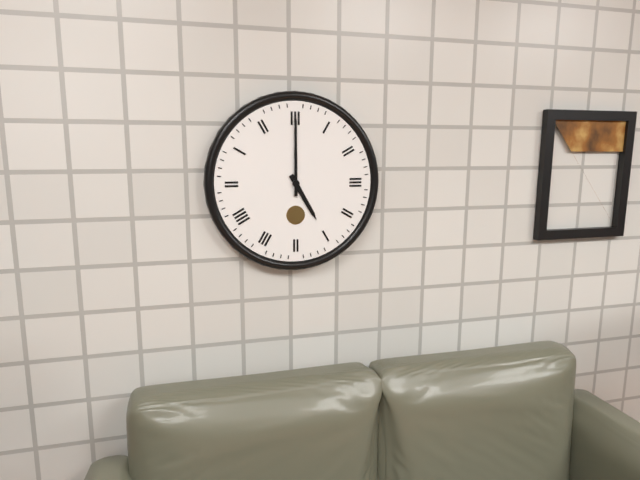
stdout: 5h00
